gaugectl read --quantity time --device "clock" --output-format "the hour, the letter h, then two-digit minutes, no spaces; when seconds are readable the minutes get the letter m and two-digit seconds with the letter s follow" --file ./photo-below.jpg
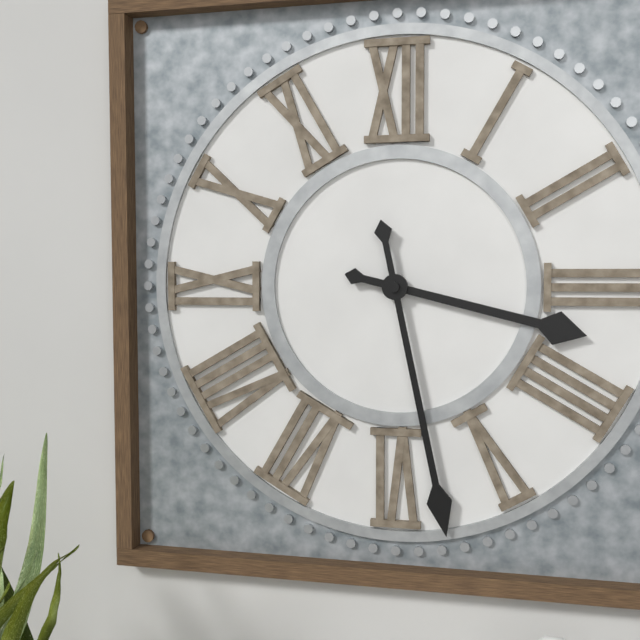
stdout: 3h28
